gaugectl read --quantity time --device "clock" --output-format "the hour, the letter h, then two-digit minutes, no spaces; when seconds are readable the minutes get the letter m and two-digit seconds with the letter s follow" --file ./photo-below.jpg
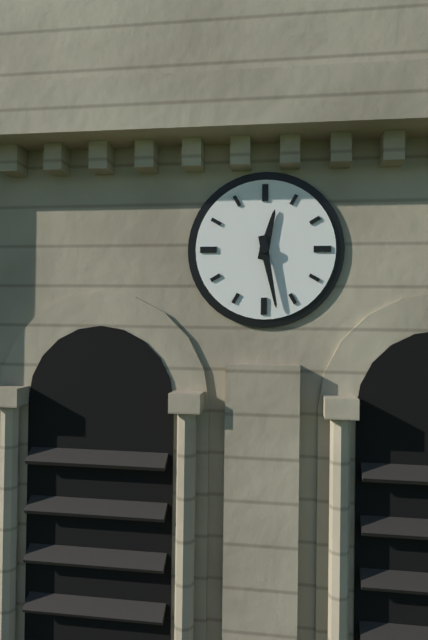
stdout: 12h28
